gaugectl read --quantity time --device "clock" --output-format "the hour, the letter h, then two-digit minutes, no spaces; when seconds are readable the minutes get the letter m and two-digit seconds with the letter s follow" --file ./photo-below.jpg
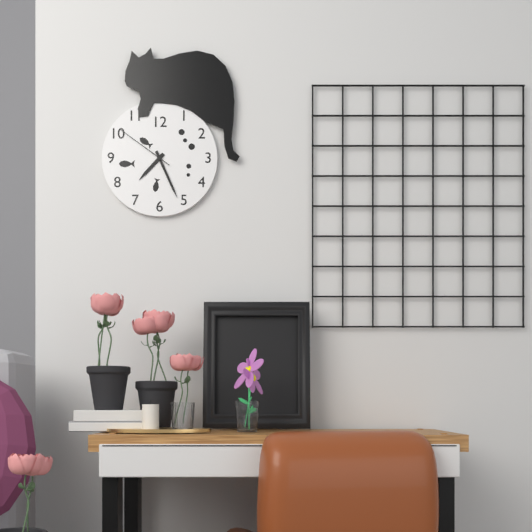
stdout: 7h26m51s
